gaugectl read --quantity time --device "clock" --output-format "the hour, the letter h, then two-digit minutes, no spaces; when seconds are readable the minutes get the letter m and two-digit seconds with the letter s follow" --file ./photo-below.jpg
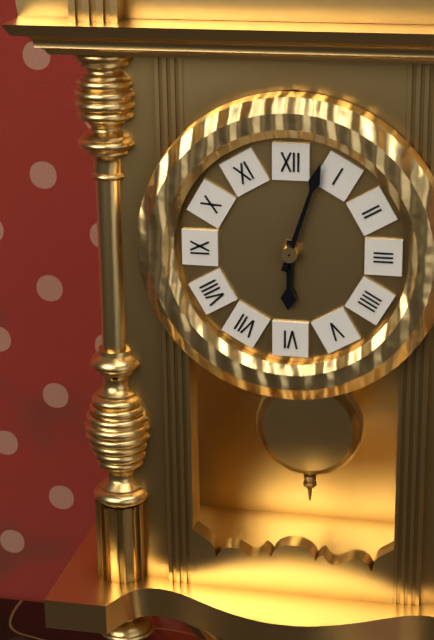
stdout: 6h03
